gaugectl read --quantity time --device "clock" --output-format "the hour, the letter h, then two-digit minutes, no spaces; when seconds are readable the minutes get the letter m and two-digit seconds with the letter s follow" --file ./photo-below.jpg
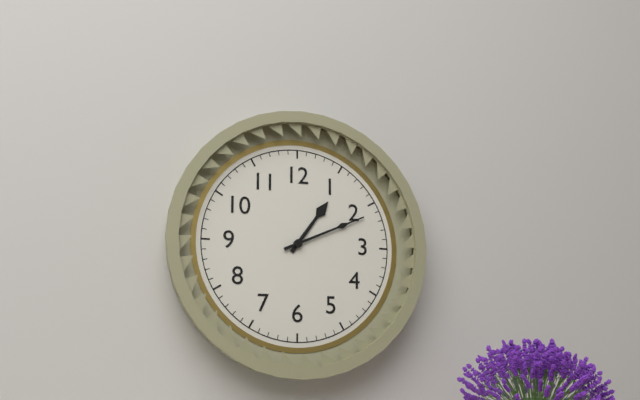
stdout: 1h11
